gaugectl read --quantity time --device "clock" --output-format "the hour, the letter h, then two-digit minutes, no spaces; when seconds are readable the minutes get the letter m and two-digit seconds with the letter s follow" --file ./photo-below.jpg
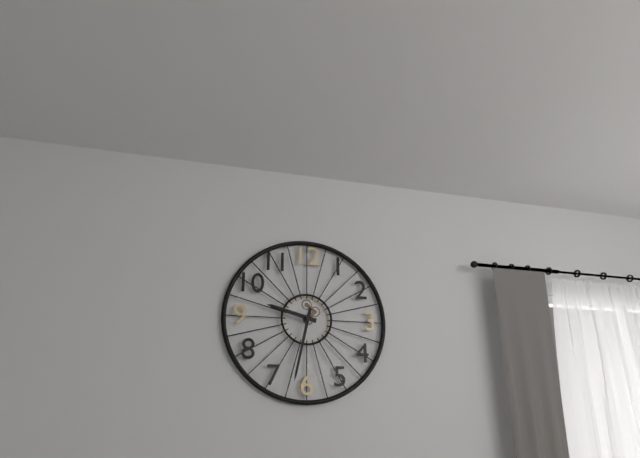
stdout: 9h32
